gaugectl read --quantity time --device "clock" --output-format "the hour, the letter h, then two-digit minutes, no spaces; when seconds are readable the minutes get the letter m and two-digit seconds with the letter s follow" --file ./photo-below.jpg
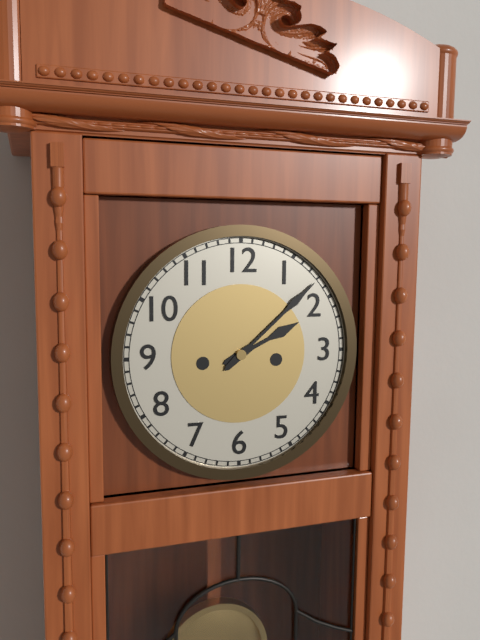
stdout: 2h08
